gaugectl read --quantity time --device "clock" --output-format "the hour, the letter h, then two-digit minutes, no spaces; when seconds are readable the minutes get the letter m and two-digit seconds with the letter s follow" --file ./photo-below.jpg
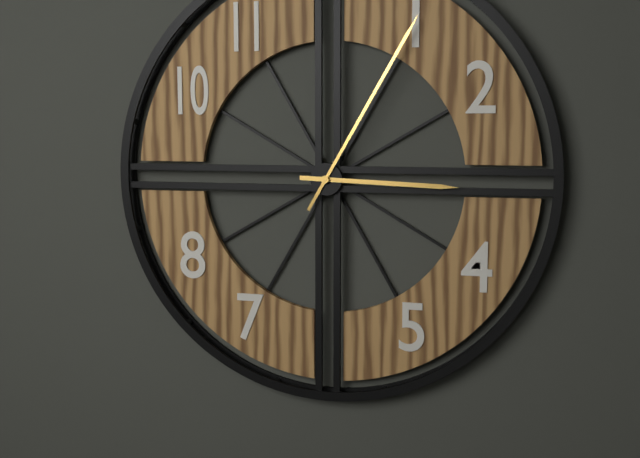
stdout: 3h05
